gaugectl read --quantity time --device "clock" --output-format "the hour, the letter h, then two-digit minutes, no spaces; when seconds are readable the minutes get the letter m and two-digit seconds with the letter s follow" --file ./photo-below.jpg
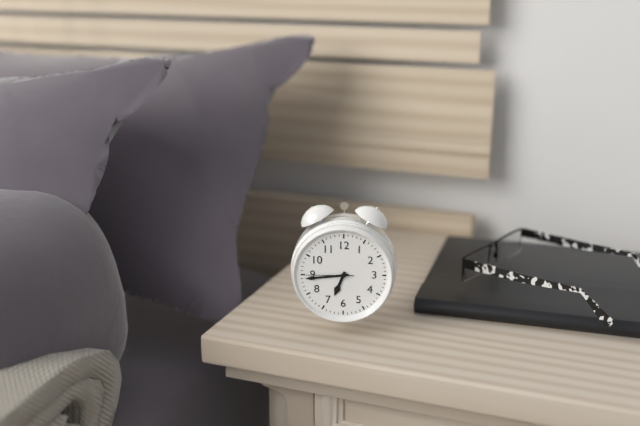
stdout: 6h44m45s
